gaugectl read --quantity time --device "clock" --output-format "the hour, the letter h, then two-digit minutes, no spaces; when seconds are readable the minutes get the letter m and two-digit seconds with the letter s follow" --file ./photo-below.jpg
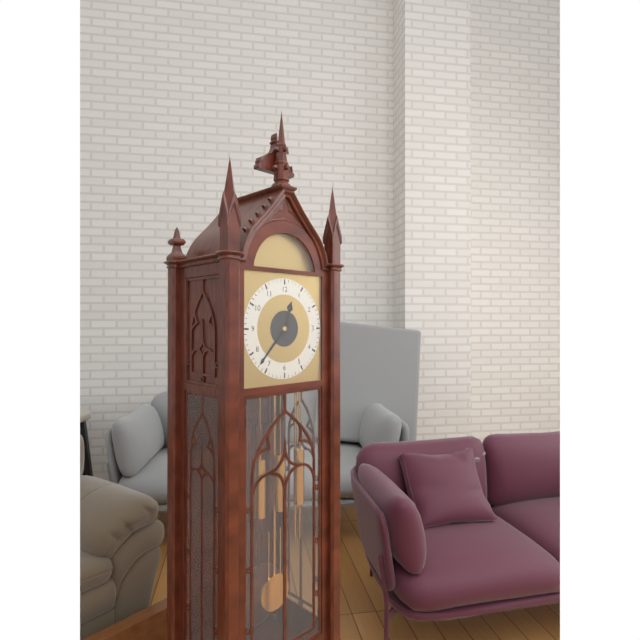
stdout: 12h37
